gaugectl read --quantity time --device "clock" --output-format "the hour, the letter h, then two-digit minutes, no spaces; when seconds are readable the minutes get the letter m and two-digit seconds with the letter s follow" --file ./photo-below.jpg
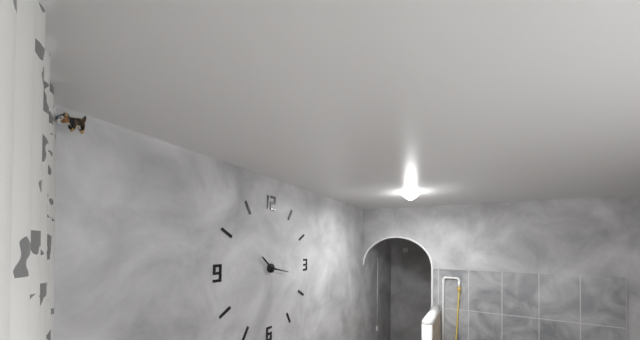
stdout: 10h17
